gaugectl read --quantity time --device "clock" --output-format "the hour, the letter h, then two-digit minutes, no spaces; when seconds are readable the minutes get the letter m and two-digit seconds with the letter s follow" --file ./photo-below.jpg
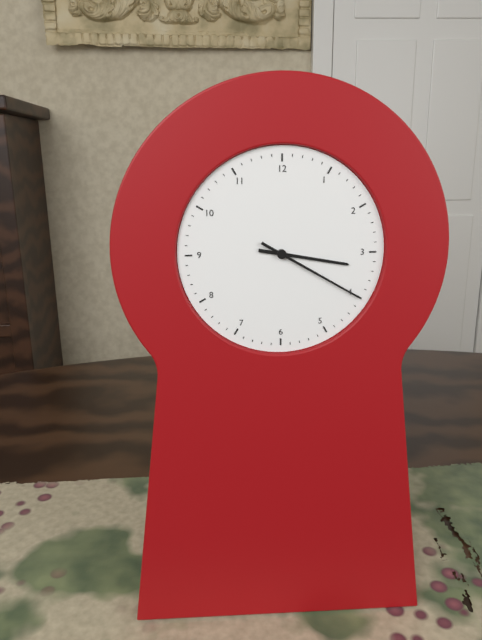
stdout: 3h20
